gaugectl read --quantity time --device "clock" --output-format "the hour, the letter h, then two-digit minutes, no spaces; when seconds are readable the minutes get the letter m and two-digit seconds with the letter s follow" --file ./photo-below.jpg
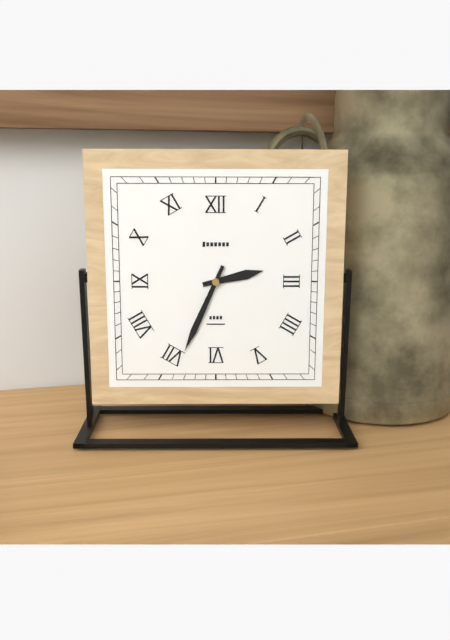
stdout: 2h34
